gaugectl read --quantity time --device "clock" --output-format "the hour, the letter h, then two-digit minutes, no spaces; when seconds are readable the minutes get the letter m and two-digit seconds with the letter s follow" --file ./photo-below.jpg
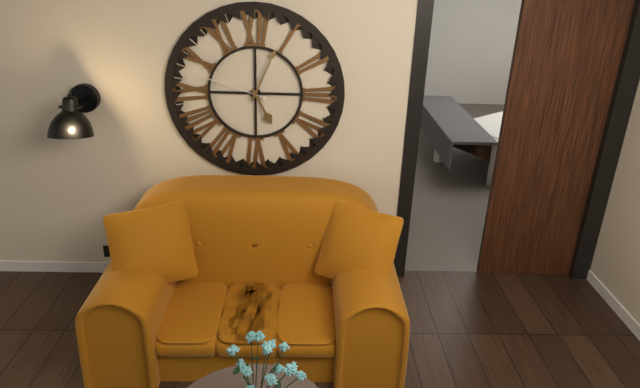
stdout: 5h04m48s
